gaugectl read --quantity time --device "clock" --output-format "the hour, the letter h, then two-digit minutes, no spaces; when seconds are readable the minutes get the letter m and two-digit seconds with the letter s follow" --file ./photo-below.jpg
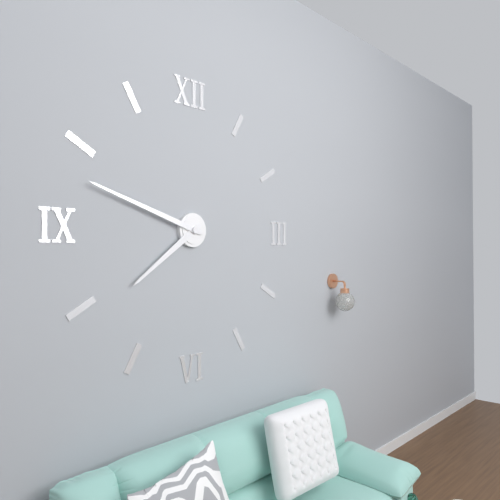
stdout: 7h48
